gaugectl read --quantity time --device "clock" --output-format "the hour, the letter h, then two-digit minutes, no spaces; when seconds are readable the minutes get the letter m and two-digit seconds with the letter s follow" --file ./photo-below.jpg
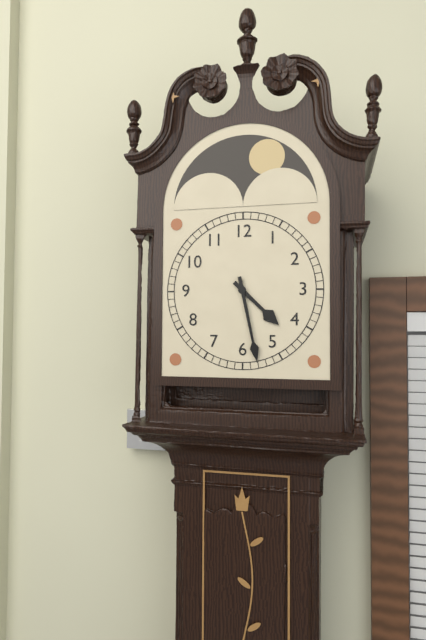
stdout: 4h28
